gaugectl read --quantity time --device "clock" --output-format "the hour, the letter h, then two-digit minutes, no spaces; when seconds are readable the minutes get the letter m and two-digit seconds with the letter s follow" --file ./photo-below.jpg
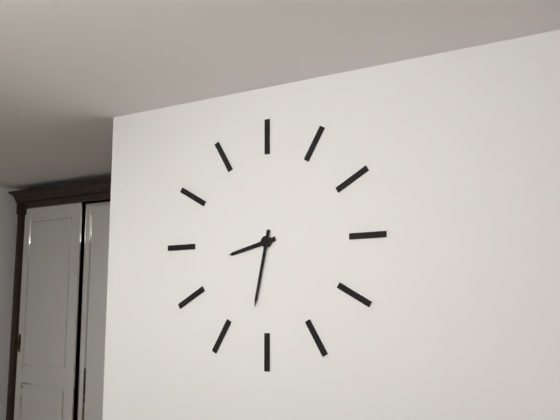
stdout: 8h32
